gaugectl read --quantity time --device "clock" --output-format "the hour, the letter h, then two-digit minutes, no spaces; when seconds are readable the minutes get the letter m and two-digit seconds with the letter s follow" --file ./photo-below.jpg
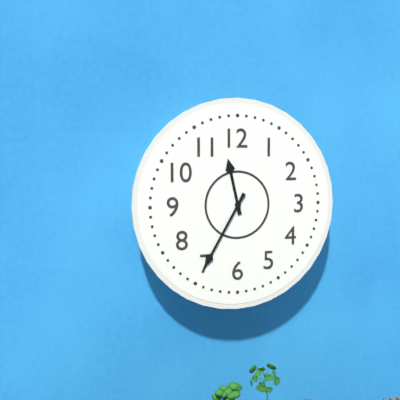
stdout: 11h35
